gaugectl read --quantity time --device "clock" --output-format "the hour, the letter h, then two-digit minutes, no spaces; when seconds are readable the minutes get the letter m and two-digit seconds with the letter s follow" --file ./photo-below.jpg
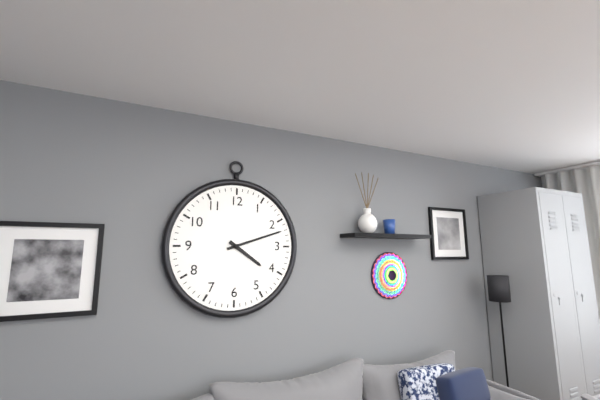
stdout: 4h12
